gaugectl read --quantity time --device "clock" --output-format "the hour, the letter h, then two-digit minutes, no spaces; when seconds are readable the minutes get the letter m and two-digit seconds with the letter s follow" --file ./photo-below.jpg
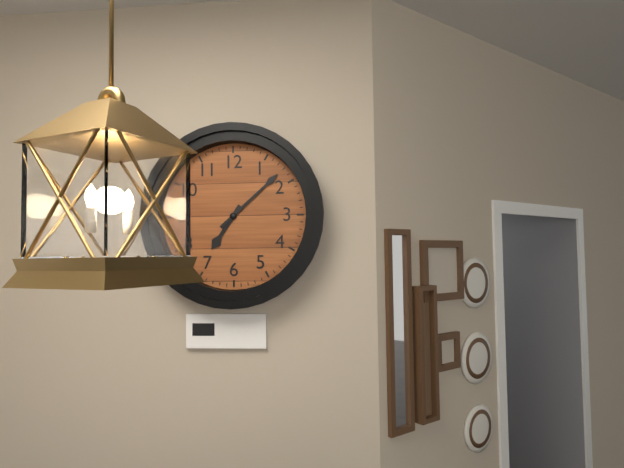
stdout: 7h08
